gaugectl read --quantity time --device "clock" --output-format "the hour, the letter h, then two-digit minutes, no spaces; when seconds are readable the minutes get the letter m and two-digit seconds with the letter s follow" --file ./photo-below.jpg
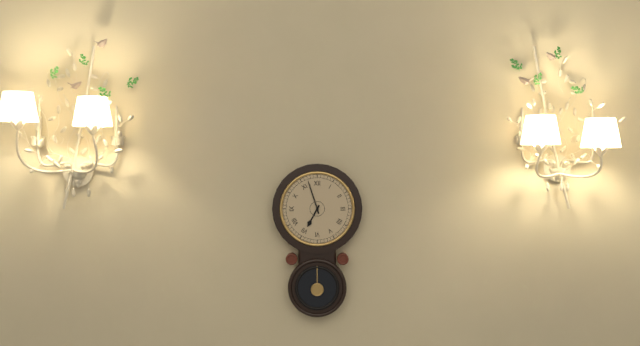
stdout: 6h57
